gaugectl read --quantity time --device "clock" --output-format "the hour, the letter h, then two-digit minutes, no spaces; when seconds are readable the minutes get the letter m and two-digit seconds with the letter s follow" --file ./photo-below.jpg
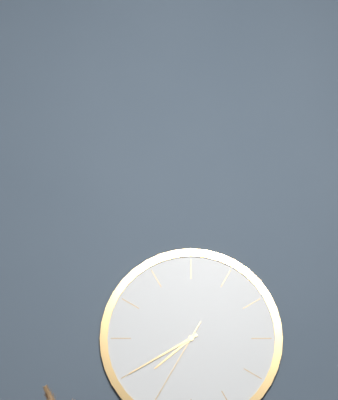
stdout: 7h40
